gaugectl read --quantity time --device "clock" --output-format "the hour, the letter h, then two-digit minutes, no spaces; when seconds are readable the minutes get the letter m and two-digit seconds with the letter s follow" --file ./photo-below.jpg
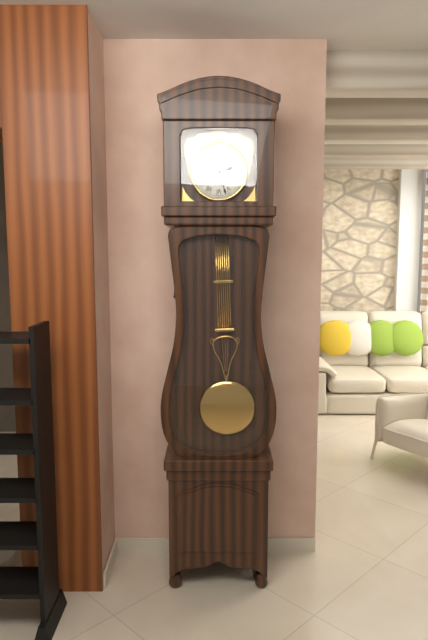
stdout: 2h27
